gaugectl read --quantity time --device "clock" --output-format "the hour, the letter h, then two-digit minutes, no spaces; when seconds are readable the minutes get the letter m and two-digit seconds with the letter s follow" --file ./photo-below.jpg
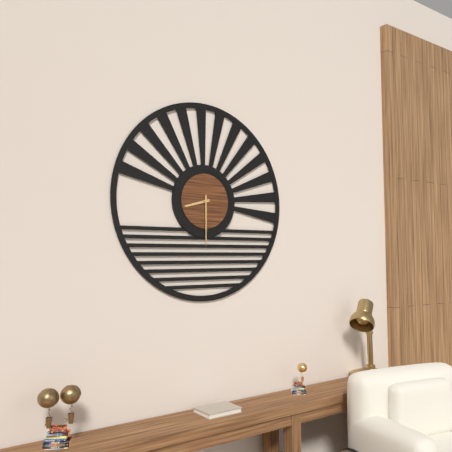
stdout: 8h30
